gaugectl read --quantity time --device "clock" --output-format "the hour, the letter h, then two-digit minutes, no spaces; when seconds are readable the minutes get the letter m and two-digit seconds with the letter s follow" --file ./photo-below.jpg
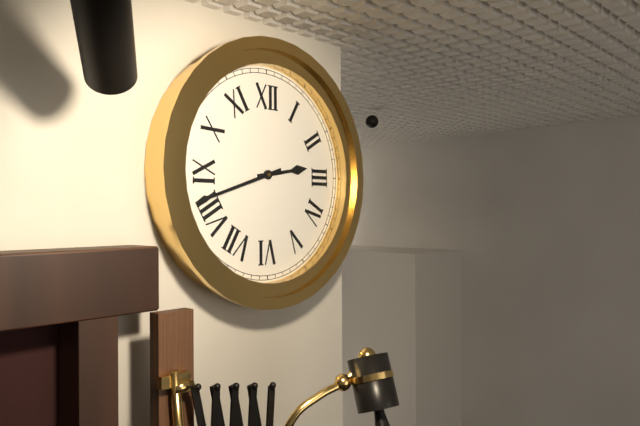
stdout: 2h42
